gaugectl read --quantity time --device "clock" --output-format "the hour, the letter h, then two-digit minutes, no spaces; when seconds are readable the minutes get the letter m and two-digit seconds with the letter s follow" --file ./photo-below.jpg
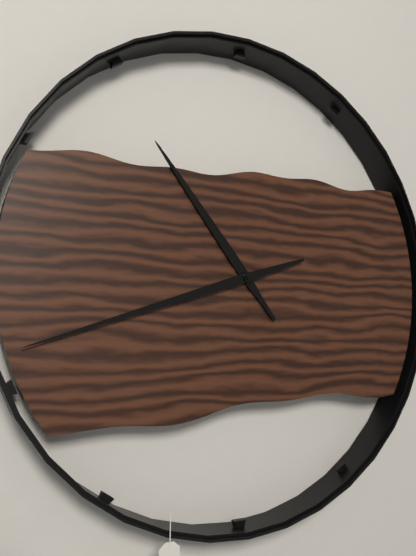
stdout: 10h42
